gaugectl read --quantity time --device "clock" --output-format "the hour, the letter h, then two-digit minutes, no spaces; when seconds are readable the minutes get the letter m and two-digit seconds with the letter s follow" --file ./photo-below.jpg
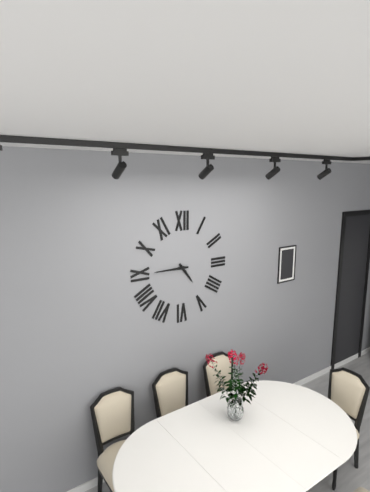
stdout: 4h45
